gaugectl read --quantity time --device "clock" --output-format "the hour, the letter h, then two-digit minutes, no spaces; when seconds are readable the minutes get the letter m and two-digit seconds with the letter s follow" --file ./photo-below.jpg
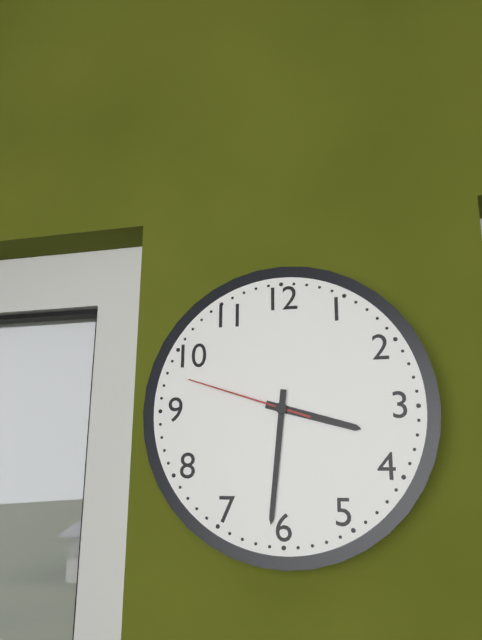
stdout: 3h31m48s
